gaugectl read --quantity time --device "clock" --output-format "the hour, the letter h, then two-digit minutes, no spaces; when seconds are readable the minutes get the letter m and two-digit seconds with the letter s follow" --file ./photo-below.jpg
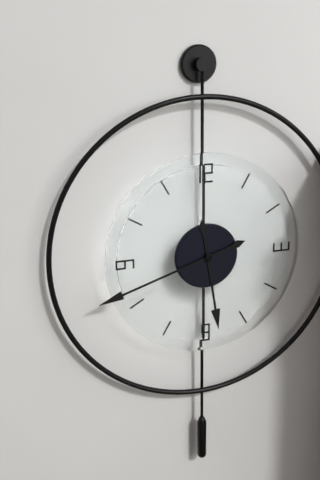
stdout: 5h42
